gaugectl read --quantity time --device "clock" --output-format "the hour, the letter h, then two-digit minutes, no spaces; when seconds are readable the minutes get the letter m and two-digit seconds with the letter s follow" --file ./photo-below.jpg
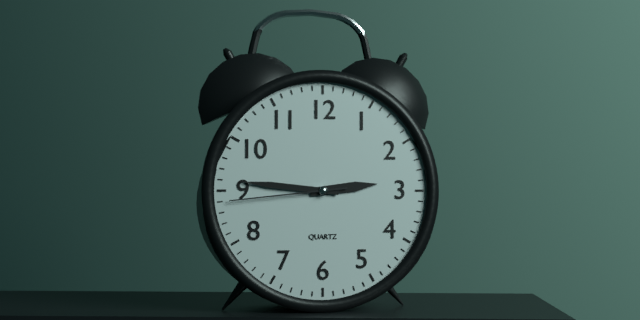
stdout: 2h46m44s
